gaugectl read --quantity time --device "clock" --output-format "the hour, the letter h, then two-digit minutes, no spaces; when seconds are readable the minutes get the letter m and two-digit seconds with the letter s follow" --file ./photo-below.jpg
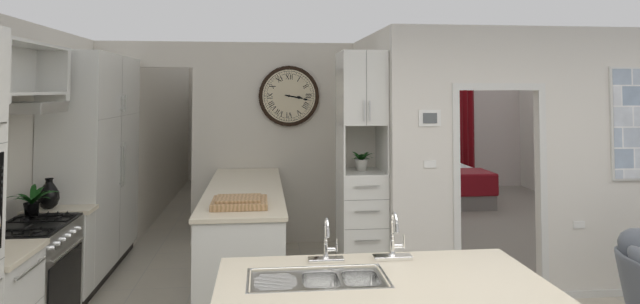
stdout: 3h17
